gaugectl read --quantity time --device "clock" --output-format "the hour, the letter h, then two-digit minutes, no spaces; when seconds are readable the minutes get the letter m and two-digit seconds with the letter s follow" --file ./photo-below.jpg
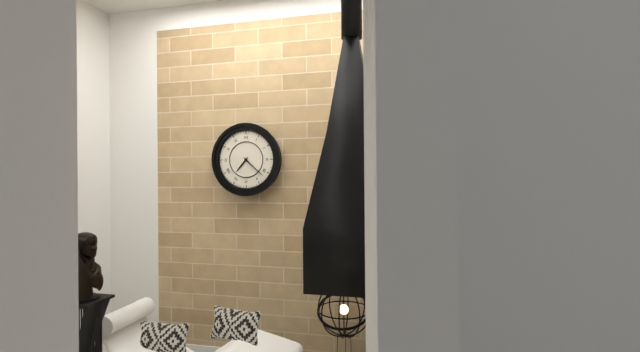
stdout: 7h22
